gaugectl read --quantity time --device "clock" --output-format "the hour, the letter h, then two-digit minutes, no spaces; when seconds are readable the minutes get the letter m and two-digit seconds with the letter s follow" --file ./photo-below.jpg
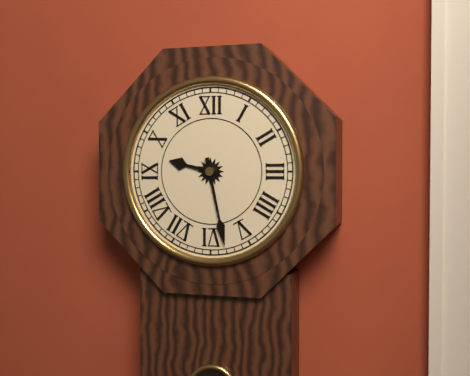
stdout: 9h28
